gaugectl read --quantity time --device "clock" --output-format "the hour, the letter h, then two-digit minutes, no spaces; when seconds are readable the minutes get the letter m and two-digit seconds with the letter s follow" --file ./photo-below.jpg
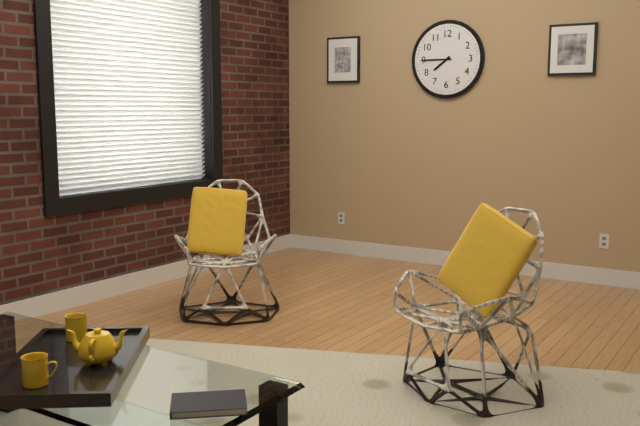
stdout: 7h45
